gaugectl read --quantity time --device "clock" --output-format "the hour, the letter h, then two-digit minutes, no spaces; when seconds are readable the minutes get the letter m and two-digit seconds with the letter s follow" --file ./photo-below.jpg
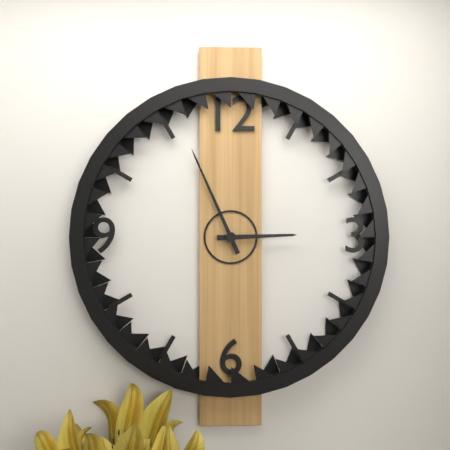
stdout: 2h56
